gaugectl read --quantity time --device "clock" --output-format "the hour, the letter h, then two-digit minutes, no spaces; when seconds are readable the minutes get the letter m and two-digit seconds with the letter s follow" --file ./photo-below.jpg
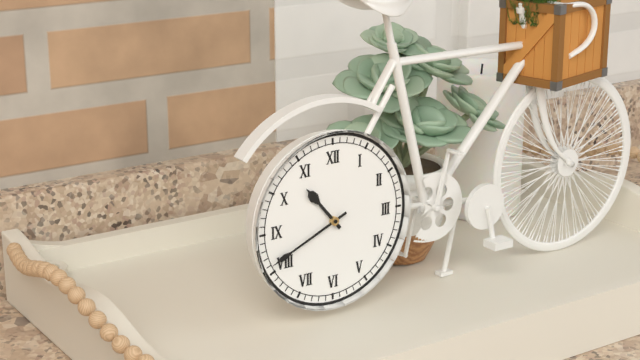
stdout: 10h41
